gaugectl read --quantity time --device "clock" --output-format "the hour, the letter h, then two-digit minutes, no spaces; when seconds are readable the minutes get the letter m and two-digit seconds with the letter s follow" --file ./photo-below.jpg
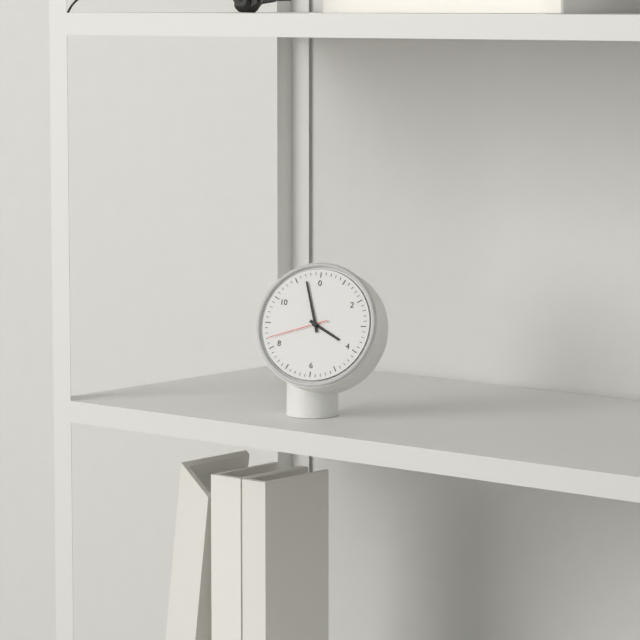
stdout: 3h57m42s
